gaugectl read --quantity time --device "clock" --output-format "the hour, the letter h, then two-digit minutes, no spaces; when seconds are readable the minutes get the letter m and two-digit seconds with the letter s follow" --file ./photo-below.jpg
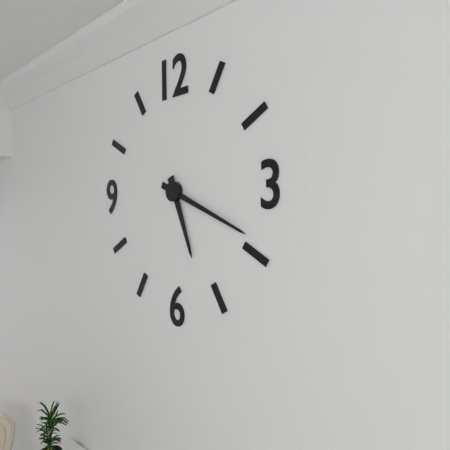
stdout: 5h19
